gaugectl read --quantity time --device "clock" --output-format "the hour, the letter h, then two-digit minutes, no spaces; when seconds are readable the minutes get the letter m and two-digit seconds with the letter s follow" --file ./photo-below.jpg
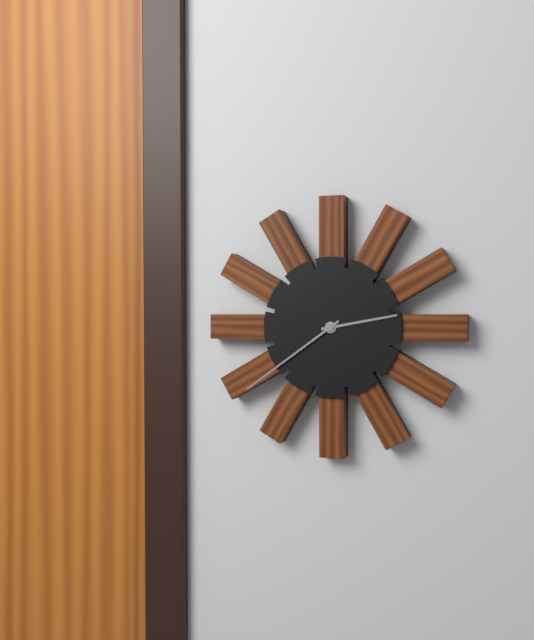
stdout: 2h39
